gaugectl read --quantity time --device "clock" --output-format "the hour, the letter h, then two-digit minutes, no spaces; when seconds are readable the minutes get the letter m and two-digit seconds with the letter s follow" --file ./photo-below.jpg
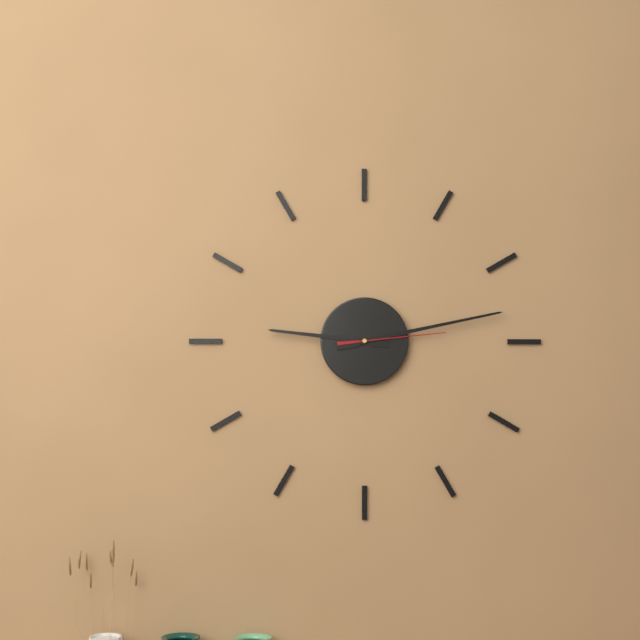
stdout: 9h13m14s
